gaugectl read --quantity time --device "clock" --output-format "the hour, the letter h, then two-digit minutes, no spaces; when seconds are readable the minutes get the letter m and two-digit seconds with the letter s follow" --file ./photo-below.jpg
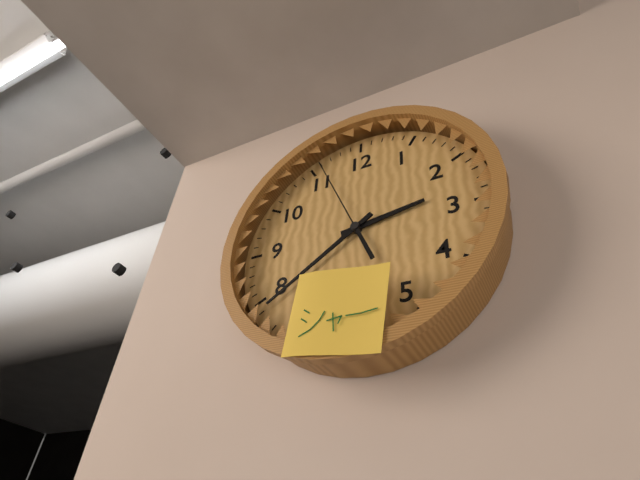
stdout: 2h39m56s
